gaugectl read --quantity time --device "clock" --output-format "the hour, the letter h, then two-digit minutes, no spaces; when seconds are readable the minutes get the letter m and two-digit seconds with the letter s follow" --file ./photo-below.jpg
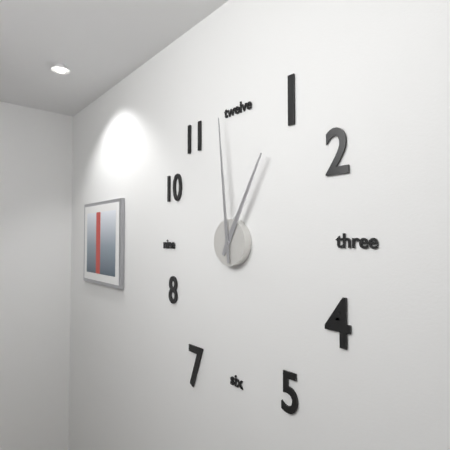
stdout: 12h59
